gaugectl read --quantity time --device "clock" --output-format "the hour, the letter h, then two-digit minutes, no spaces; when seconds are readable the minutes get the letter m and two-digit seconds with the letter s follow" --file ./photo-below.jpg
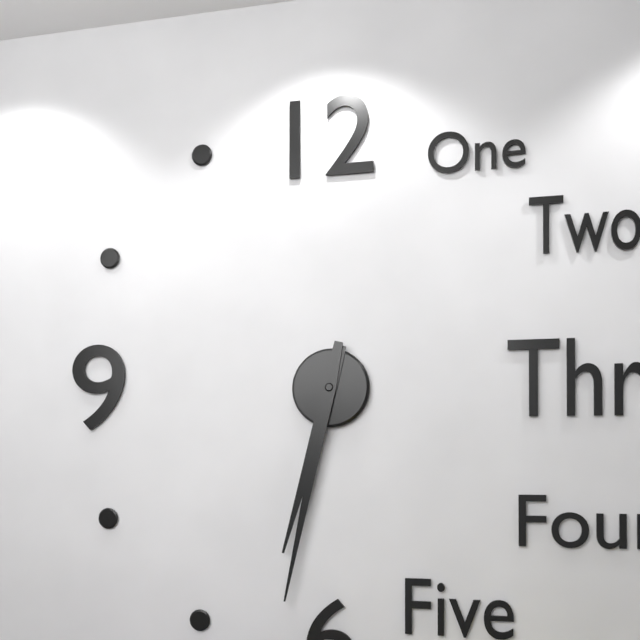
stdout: 6h32
